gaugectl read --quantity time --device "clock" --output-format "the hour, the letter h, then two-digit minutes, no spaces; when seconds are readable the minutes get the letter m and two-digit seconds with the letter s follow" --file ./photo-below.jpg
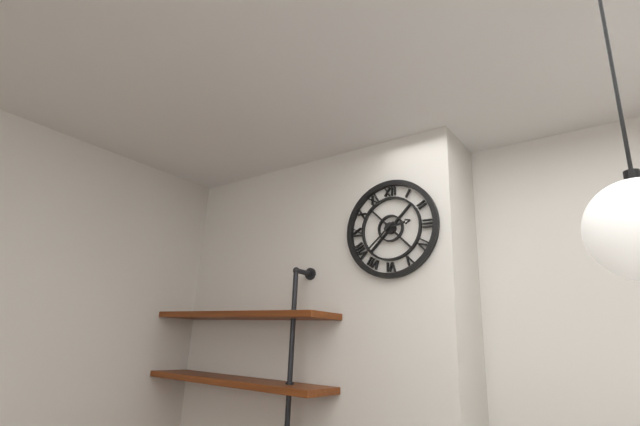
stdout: 2h38
